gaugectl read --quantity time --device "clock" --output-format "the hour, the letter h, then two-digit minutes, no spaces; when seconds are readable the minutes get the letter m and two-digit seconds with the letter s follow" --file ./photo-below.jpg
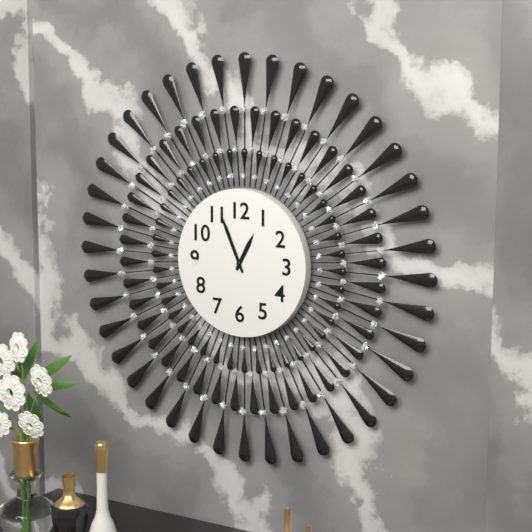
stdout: 12h56
